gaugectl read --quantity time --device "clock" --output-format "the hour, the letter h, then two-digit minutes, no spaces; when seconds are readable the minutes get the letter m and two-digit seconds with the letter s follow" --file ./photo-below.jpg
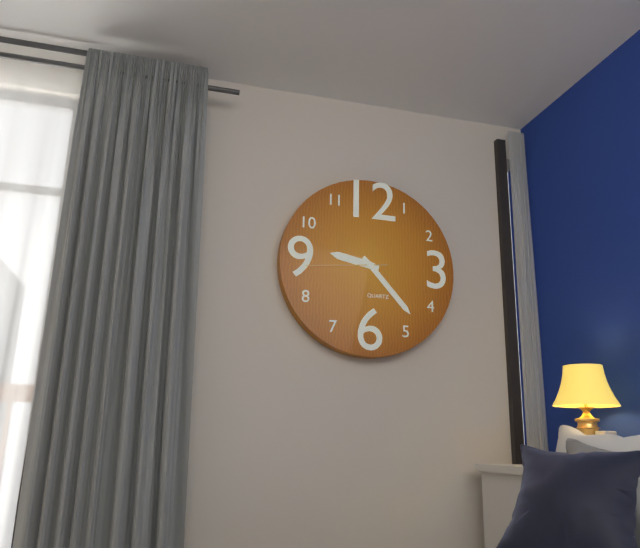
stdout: 9h23m44s
